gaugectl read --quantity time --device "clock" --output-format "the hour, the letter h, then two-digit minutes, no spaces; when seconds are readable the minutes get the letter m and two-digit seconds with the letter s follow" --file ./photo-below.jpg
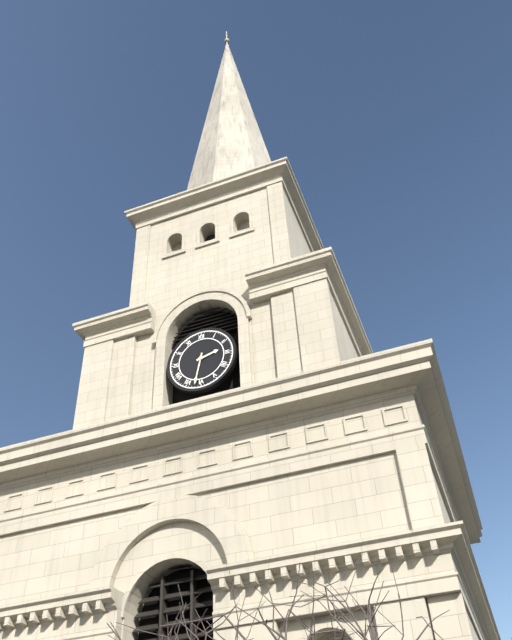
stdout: 2h32
